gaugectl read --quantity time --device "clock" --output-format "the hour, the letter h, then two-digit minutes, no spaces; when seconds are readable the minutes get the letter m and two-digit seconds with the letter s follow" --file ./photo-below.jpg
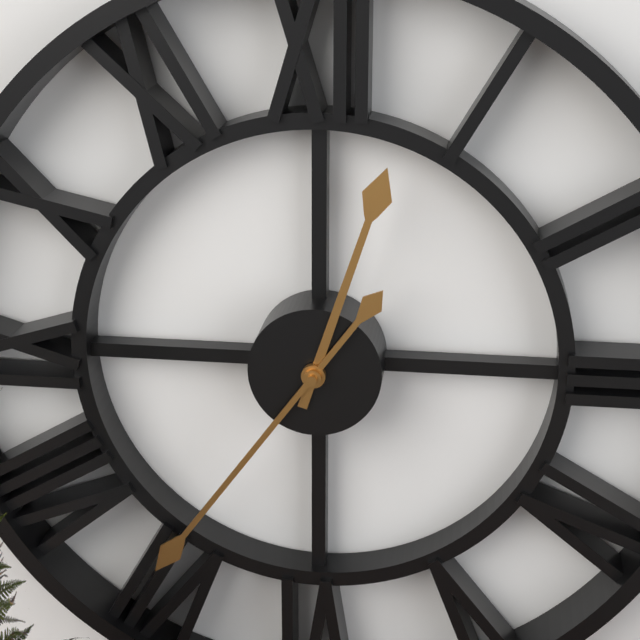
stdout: 12h36
